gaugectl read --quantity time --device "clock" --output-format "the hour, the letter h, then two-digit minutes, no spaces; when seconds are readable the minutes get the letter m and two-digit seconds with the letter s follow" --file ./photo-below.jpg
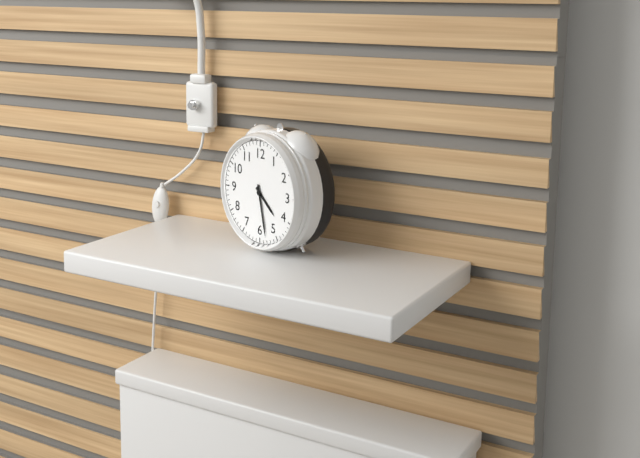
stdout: 4h28
